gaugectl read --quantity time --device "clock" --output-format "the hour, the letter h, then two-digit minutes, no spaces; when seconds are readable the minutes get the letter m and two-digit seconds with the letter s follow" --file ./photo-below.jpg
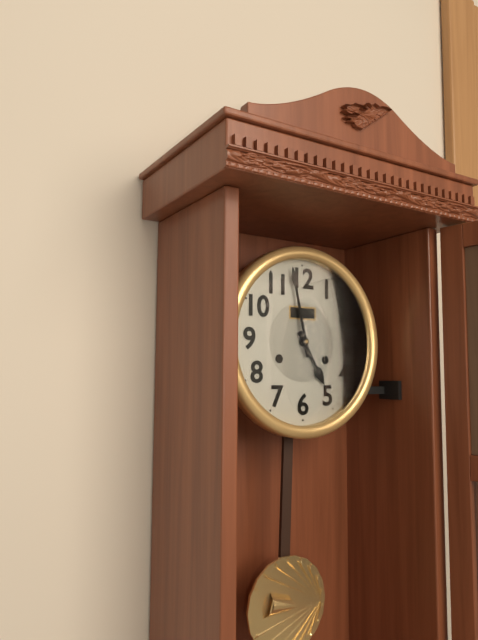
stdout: 4h58
